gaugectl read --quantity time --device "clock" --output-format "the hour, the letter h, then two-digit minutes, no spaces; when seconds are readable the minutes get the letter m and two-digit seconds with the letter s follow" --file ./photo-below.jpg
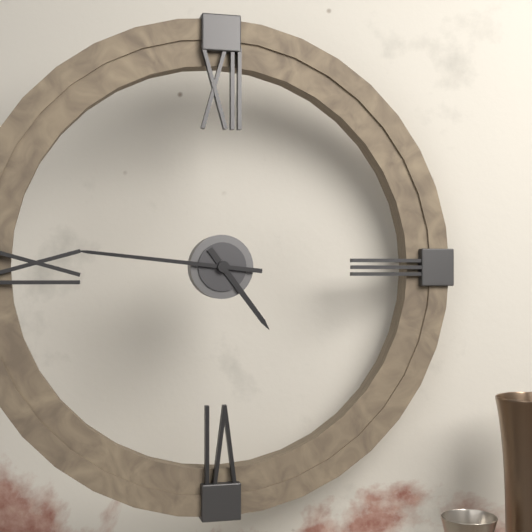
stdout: 4h46
